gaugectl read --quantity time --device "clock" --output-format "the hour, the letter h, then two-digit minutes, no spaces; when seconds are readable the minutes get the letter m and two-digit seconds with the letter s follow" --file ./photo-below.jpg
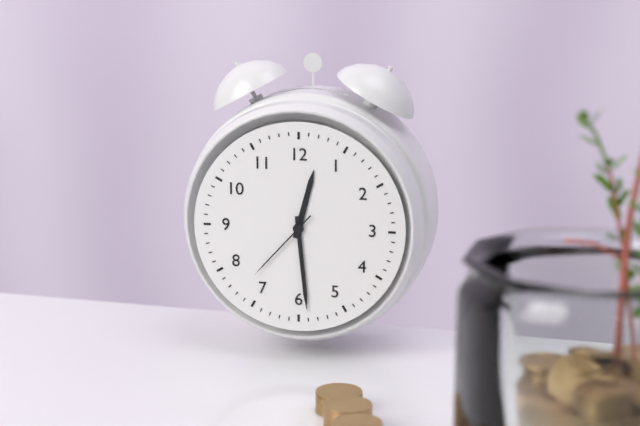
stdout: 12h29m37s
